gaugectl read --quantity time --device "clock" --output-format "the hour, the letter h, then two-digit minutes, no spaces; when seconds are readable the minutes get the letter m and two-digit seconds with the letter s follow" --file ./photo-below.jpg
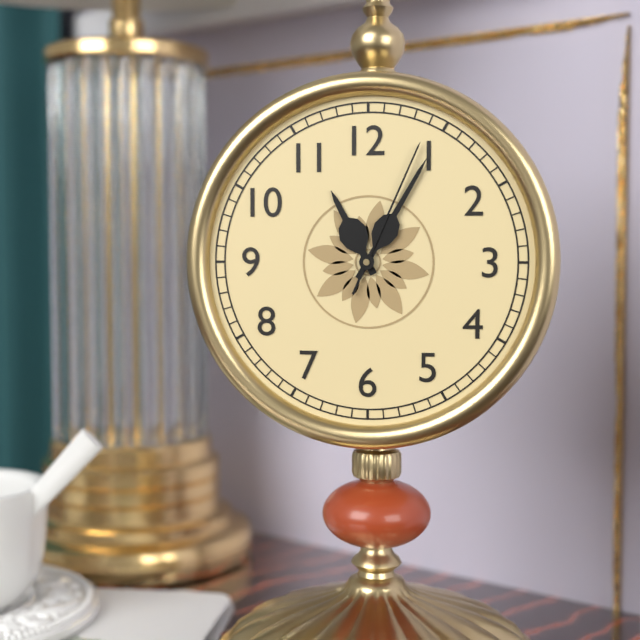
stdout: 11h05m04s
